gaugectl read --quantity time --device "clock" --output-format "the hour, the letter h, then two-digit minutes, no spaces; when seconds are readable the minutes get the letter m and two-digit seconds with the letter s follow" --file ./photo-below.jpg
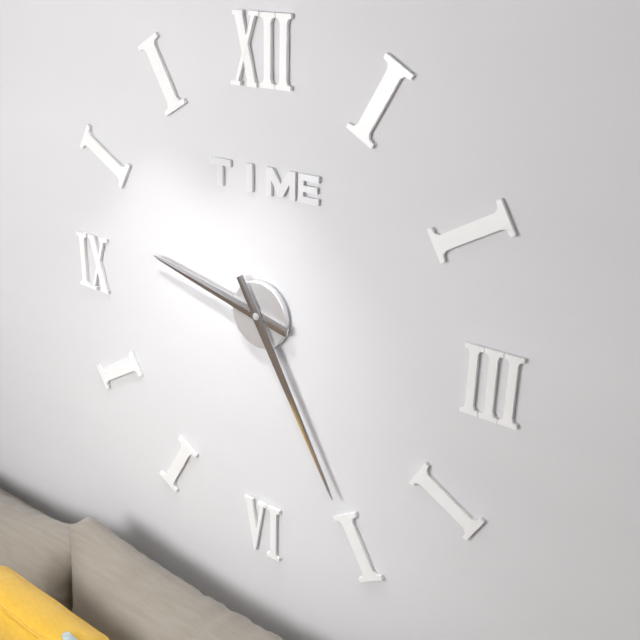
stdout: 9h25
